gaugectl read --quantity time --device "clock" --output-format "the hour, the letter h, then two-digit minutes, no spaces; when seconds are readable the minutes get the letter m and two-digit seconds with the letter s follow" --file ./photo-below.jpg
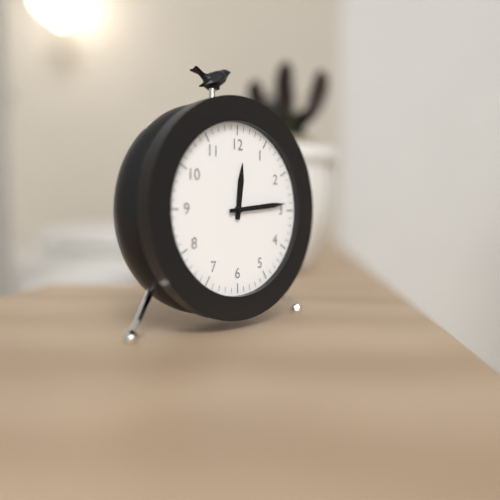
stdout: 12h14
